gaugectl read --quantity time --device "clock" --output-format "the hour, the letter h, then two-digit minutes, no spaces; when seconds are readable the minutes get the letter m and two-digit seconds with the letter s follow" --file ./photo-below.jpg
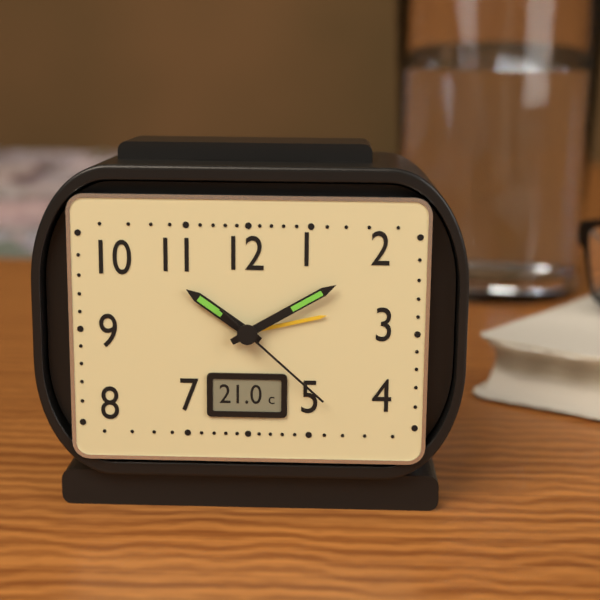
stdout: 10h10m22s
